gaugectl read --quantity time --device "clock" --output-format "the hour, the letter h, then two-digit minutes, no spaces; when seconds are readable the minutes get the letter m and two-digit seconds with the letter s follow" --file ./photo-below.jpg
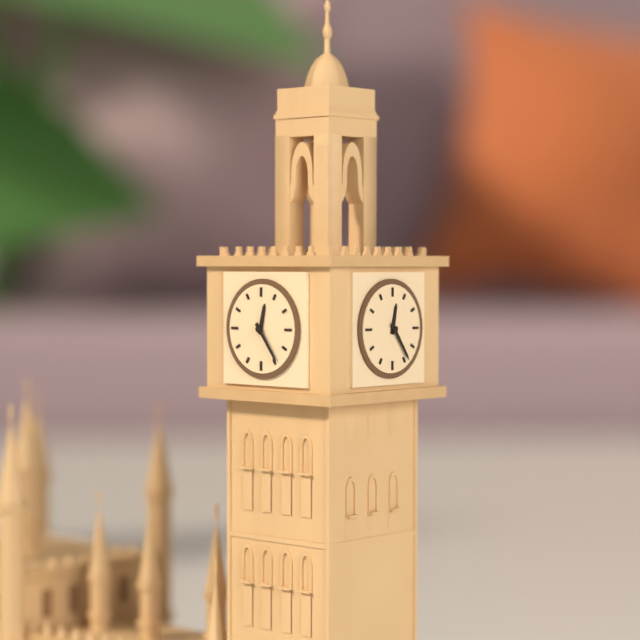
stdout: 12h24
